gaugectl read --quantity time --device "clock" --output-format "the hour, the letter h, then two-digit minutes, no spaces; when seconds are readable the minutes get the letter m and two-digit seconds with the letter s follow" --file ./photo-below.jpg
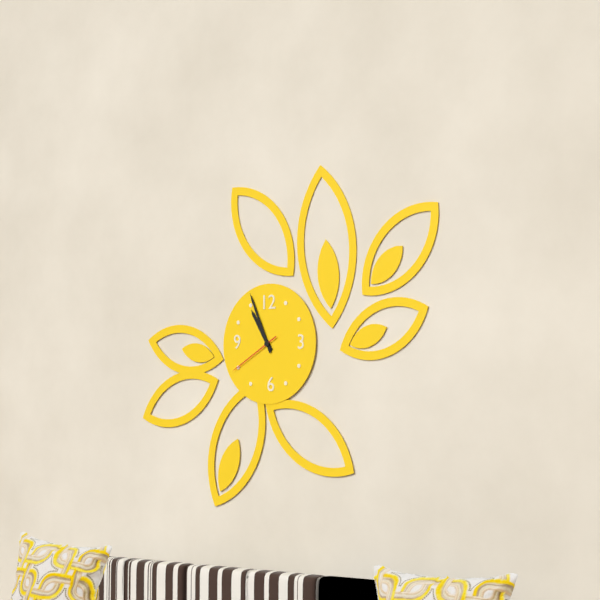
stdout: 10h56m40s
